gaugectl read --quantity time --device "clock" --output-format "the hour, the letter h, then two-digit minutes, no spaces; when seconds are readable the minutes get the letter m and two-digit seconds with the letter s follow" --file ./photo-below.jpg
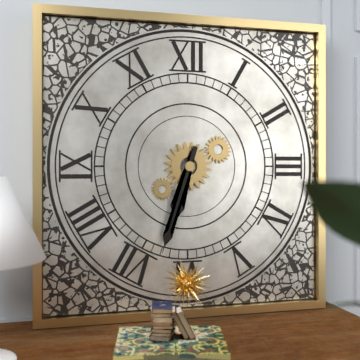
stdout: 6h33
